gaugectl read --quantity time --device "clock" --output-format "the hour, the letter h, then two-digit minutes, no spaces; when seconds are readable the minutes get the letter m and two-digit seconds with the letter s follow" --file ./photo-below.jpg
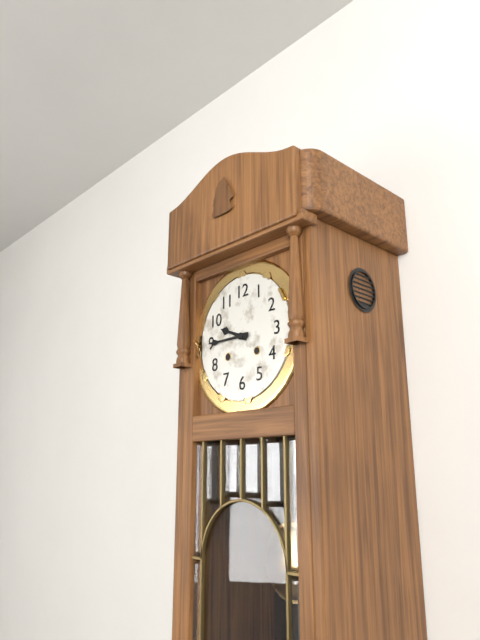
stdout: 9h45
